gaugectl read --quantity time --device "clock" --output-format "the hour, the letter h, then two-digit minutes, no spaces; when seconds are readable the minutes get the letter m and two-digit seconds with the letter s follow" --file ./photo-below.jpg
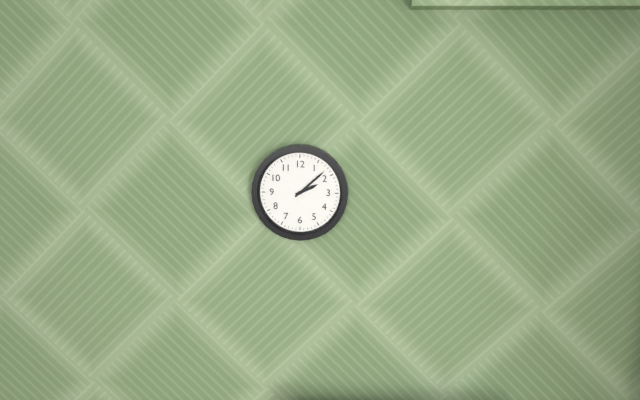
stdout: 2h08
